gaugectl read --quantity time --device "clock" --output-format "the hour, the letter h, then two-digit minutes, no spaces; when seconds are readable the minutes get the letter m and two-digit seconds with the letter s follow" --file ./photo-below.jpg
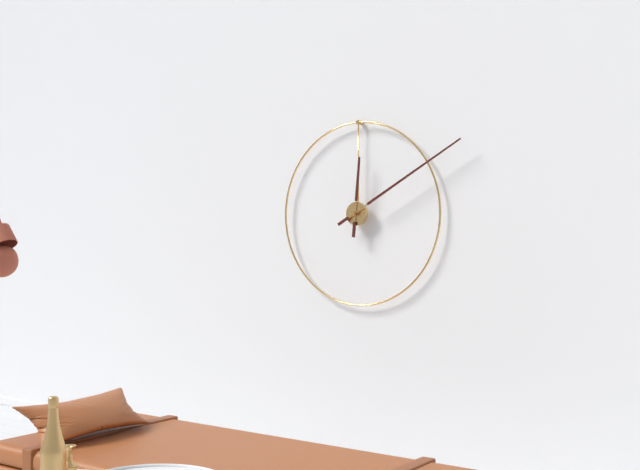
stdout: 12h10
